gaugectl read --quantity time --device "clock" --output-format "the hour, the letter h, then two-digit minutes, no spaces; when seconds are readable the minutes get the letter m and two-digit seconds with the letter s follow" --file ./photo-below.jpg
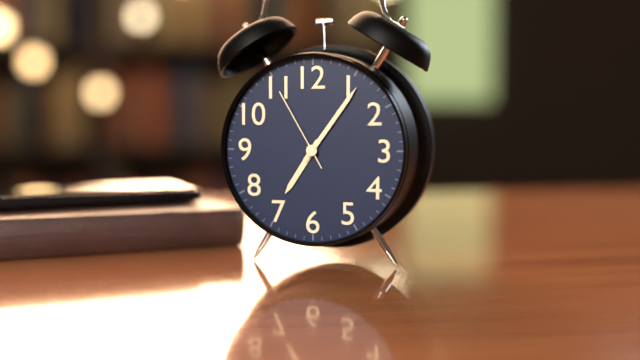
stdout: 7h06m55s
